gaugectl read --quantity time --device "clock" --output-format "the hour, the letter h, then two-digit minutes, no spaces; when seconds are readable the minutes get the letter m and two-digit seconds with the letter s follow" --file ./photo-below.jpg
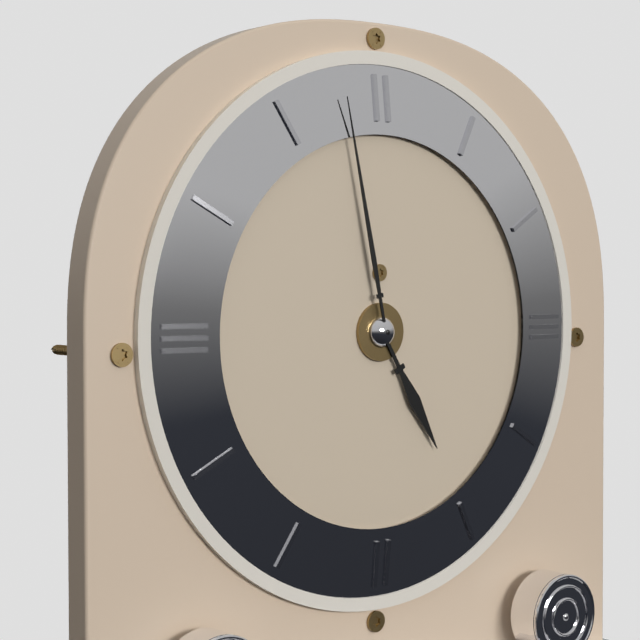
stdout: 4h58
